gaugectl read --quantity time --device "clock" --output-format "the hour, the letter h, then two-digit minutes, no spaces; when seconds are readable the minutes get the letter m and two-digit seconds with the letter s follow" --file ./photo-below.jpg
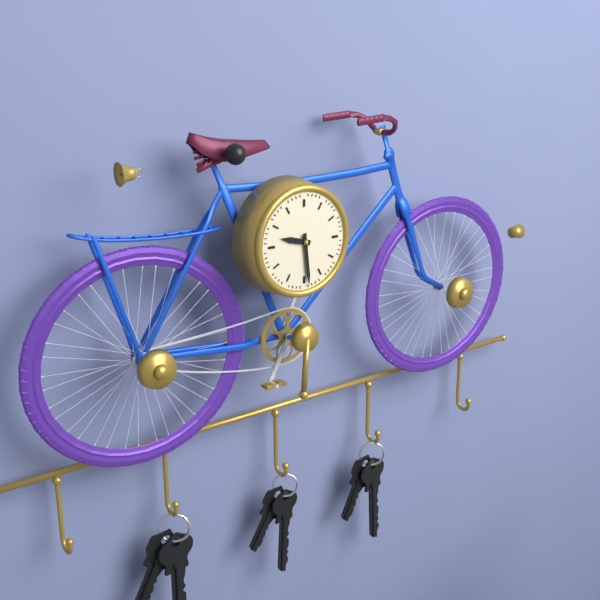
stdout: 9h29
